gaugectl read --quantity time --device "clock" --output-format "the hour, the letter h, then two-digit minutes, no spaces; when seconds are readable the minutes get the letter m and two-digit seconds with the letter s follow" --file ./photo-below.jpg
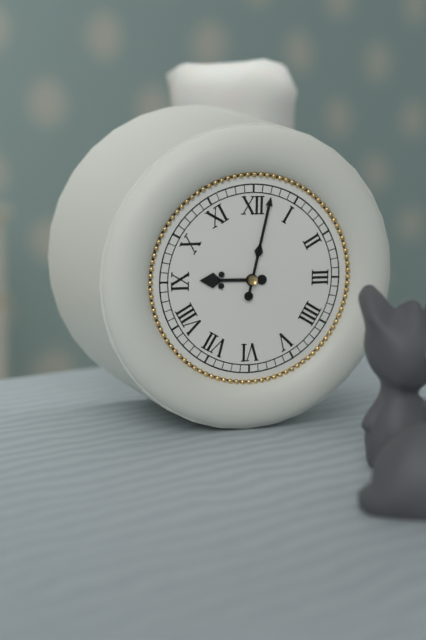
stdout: 9h02
